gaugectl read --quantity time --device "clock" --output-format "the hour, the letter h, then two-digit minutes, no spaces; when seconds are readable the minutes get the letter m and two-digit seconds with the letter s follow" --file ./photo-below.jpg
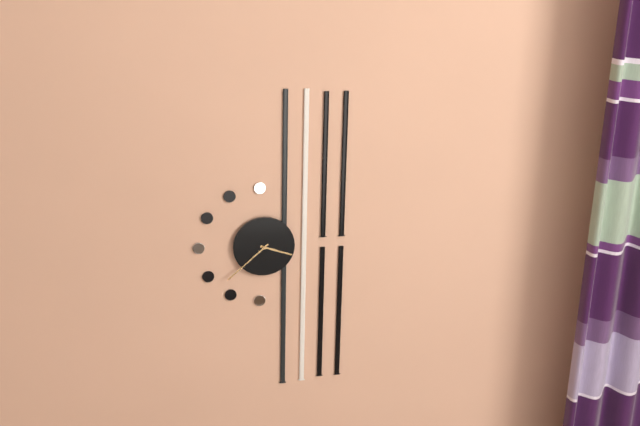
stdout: 3h38
